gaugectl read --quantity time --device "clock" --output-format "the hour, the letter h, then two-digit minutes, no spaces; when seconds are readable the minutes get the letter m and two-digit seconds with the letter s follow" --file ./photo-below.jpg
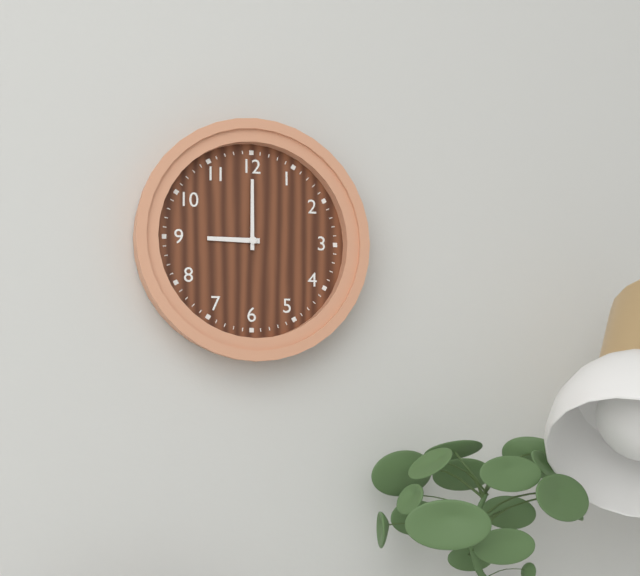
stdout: 9h00
